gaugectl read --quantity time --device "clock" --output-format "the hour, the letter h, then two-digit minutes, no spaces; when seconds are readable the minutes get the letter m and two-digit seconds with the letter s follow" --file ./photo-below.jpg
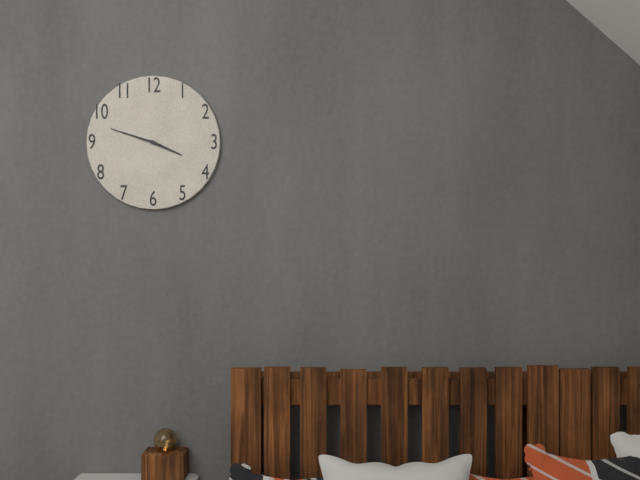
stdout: 3h48
